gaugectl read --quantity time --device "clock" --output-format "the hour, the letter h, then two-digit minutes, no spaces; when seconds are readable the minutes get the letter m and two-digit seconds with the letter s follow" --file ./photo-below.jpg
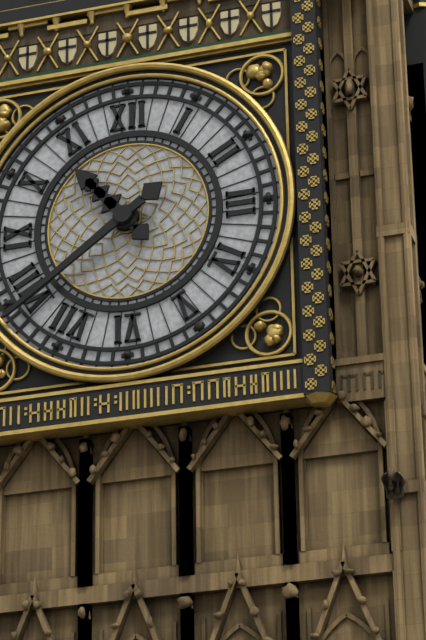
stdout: 10h39
